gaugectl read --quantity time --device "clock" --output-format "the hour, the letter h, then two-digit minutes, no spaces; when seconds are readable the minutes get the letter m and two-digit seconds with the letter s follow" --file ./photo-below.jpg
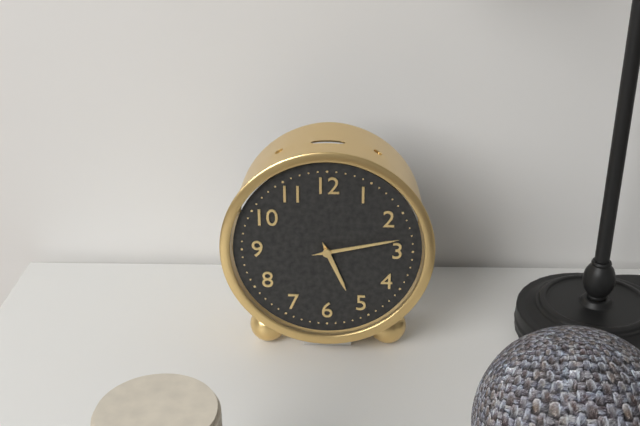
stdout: 5h13
